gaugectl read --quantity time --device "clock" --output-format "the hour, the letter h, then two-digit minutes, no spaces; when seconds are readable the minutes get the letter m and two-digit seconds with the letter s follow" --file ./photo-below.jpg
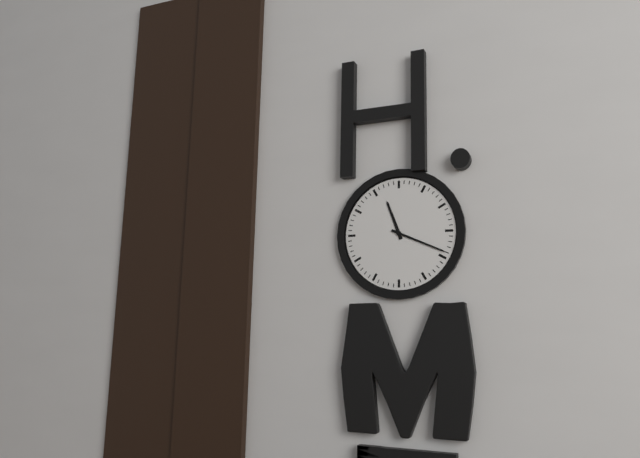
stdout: 11h19
